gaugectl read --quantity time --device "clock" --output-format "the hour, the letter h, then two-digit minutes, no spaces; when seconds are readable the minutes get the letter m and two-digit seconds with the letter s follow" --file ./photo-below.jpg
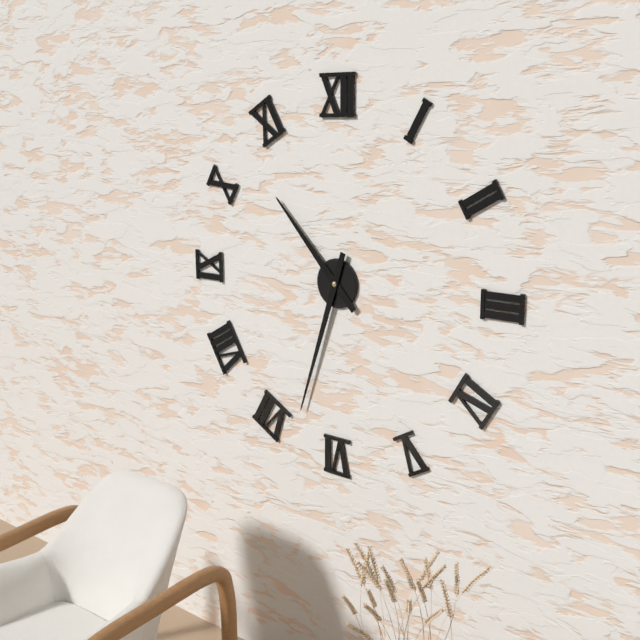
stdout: 10h33
